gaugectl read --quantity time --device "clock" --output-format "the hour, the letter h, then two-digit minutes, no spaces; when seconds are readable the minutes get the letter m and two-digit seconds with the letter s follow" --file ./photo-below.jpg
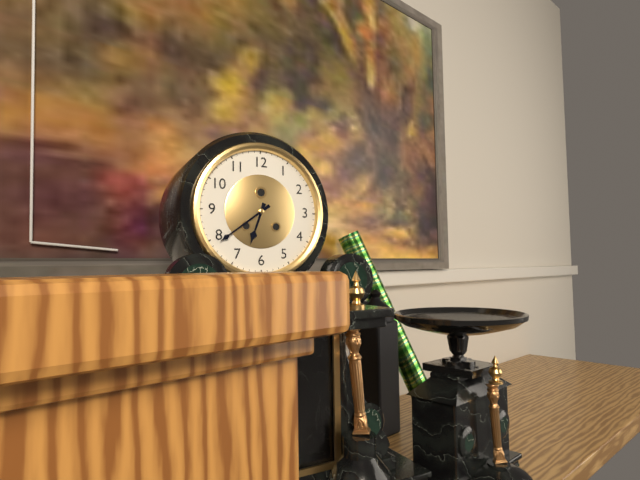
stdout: 6h39
